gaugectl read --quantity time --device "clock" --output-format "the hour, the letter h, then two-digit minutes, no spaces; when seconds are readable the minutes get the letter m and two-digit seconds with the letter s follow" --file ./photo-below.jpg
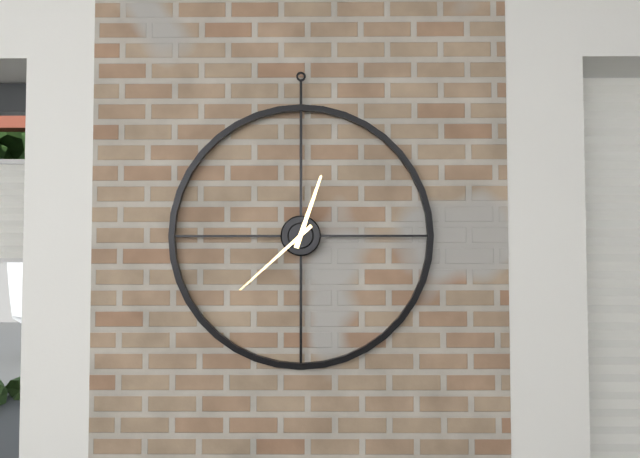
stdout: 12h38
